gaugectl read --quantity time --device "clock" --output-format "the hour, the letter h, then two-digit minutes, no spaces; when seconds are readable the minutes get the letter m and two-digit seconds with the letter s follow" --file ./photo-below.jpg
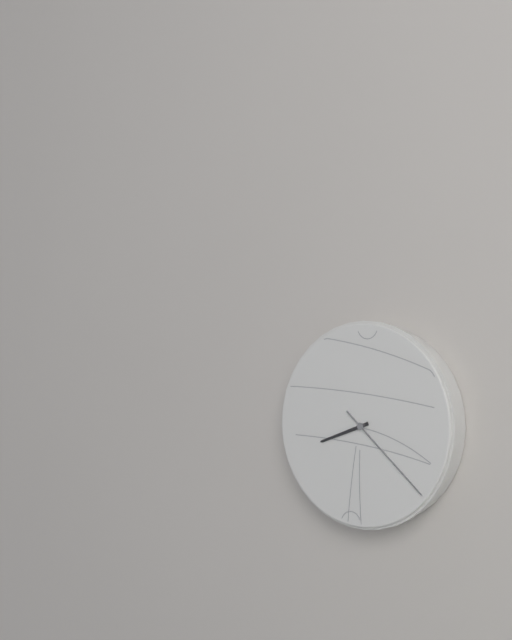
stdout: 8h22
